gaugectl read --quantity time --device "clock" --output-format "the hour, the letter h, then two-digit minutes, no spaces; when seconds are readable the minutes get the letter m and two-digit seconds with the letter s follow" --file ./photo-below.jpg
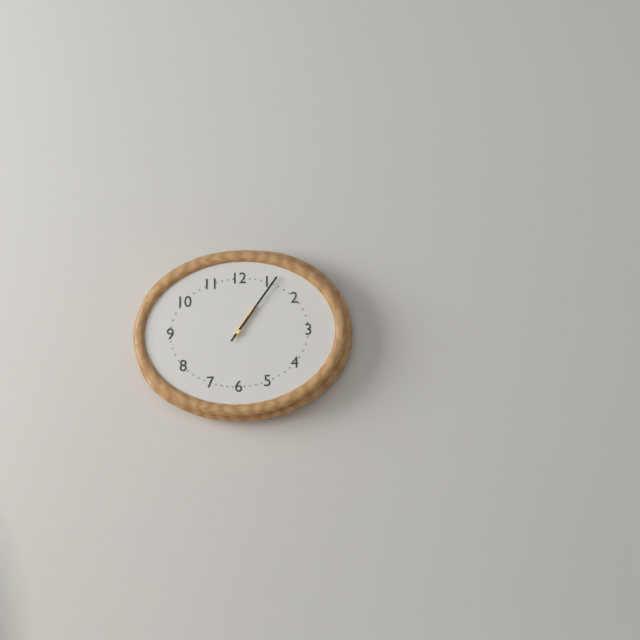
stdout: 1h06
